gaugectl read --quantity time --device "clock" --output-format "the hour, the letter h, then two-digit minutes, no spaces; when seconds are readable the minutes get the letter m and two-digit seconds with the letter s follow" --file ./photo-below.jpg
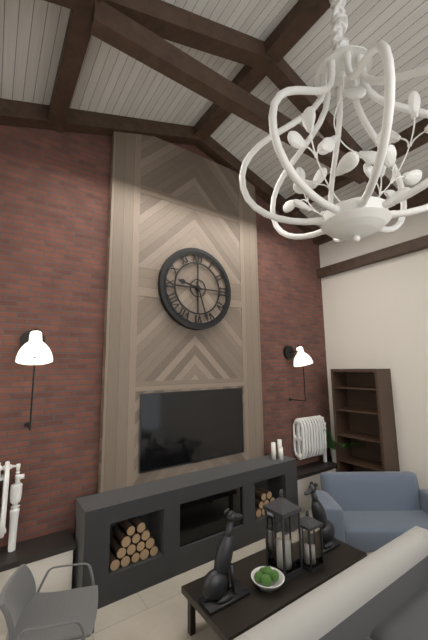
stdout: 9h27
